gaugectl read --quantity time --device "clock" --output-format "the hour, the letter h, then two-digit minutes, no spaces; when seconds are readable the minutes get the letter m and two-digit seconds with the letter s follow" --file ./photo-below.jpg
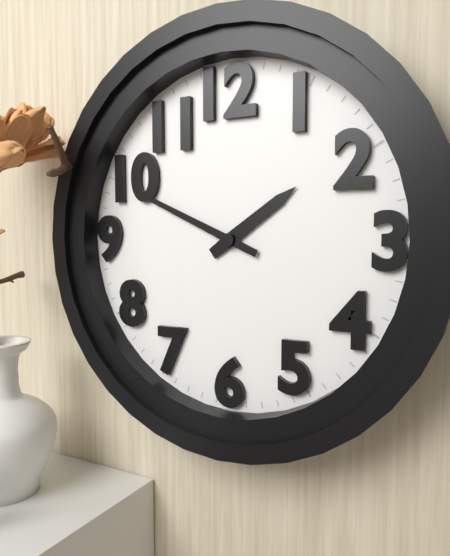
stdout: 1h49
